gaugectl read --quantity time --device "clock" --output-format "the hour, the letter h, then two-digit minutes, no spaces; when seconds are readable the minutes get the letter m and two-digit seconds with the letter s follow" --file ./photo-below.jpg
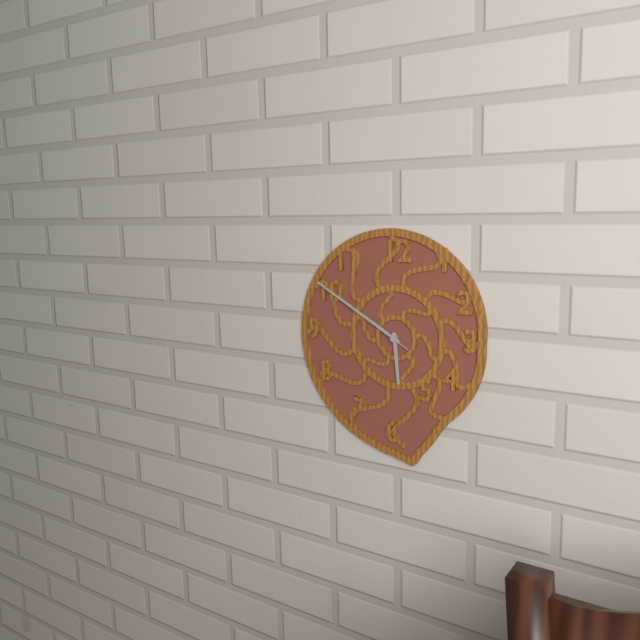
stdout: 5h50m50s
